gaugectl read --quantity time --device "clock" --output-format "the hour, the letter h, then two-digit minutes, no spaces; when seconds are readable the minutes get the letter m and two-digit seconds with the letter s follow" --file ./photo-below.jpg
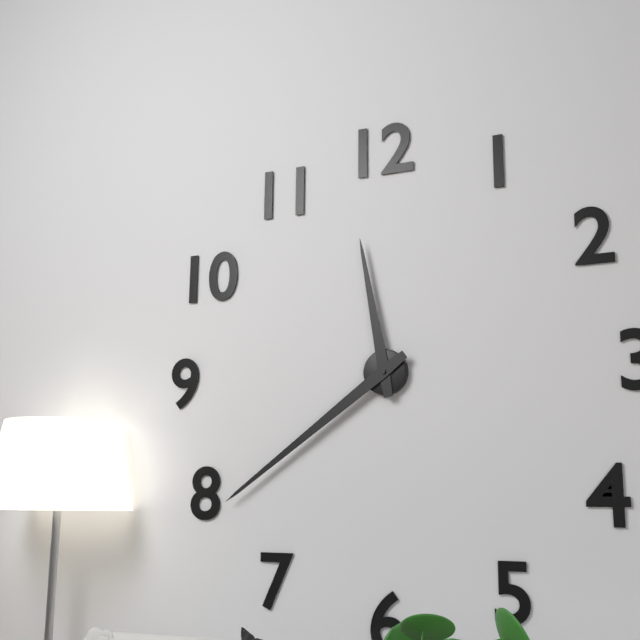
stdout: 11h39
